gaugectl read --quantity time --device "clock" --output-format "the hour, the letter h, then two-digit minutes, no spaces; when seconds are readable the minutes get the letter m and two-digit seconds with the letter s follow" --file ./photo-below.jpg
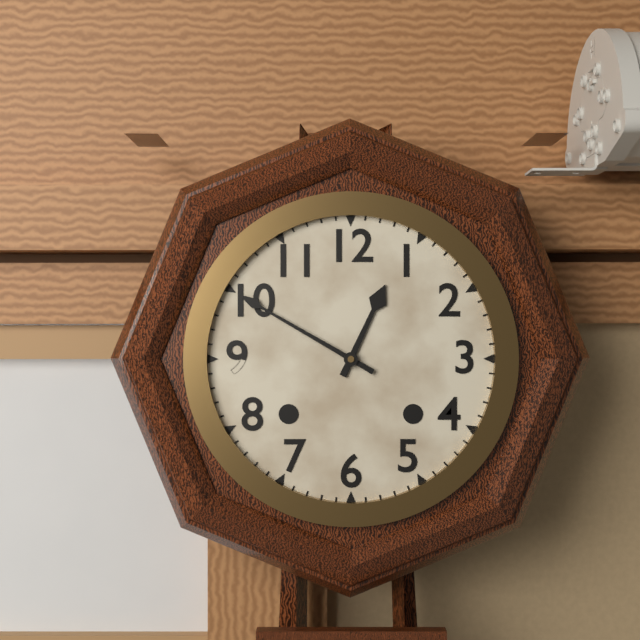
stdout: 12h50
